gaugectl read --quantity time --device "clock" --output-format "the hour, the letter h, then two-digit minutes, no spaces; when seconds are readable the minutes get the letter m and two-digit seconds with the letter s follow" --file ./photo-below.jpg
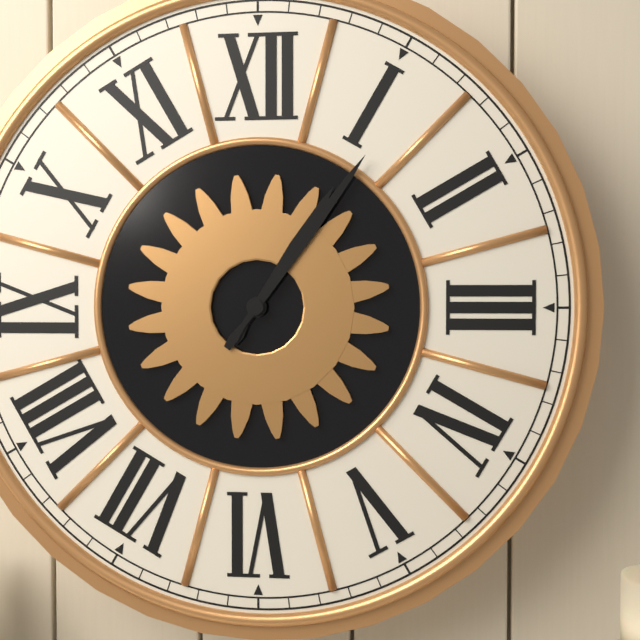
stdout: 1h06
